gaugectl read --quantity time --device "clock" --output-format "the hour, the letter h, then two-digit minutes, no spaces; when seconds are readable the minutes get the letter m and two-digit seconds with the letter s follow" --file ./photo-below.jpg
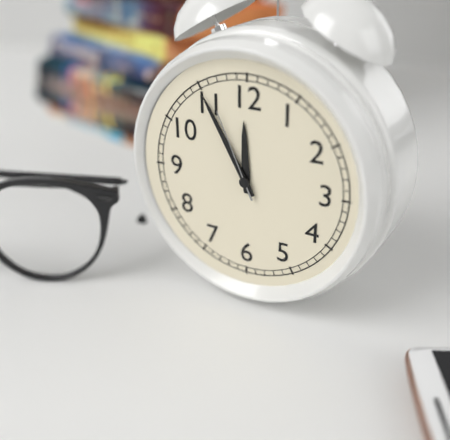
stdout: 11h55m56s
